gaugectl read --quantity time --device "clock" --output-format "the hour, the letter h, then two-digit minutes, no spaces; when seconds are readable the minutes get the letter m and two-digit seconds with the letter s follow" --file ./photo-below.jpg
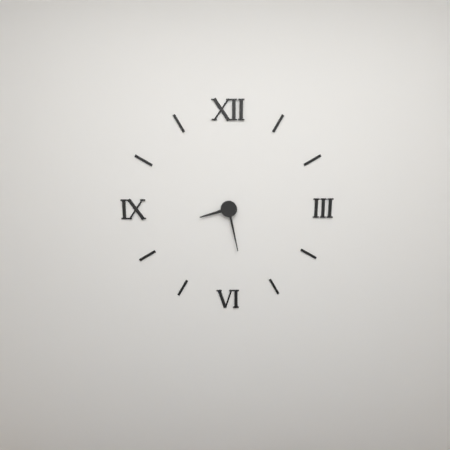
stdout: 8h28
